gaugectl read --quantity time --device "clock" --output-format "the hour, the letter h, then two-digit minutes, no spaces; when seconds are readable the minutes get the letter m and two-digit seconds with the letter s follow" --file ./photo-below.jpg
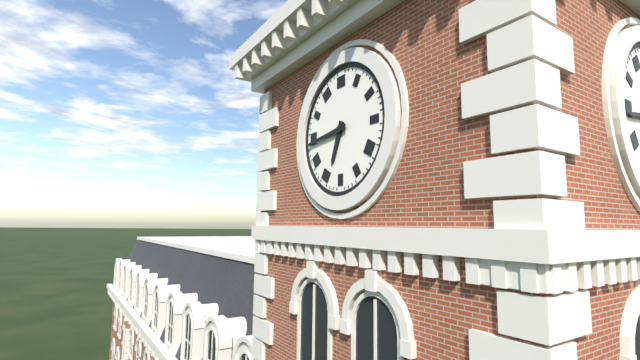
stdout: 6h44
